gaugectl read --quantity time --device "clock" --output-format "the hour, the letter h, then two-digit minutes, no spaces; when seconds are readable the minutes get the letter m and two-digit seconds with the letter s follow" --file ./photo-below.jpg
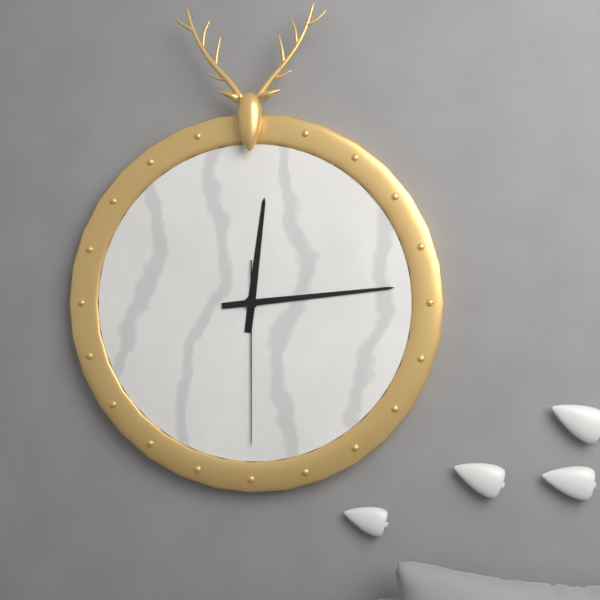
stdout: 12h14m30s
